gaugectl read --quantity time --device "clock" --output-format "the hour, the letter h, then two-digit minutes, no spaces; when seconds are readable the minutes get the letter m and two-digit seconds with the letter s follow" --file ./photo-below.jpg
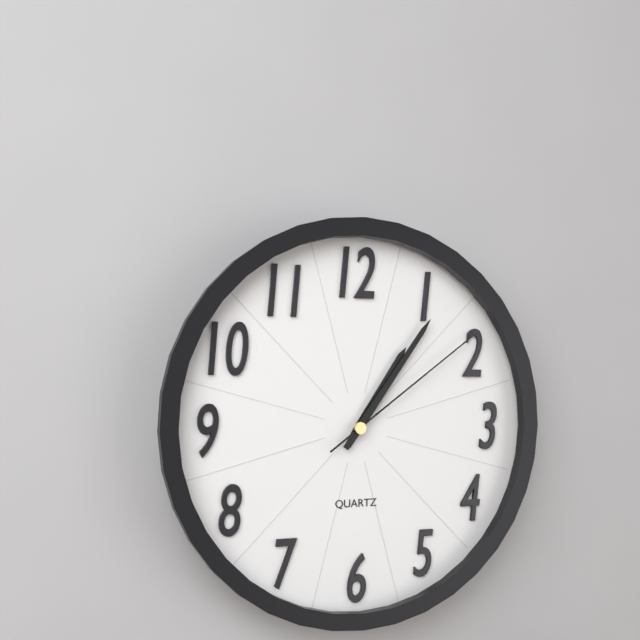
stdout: 1h06m09s
